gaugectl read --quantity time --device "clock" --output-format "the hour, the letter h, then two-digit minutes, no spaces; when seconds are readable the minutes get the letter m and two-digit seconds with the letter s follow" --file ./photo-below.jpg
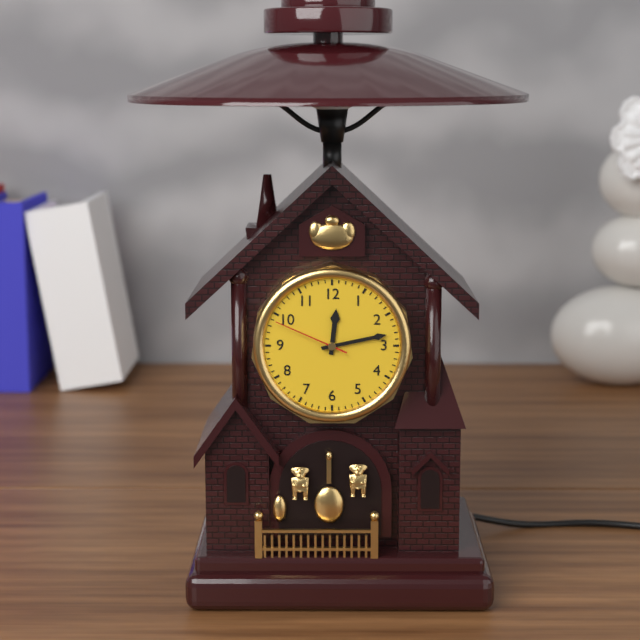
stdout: 12h13m49s
